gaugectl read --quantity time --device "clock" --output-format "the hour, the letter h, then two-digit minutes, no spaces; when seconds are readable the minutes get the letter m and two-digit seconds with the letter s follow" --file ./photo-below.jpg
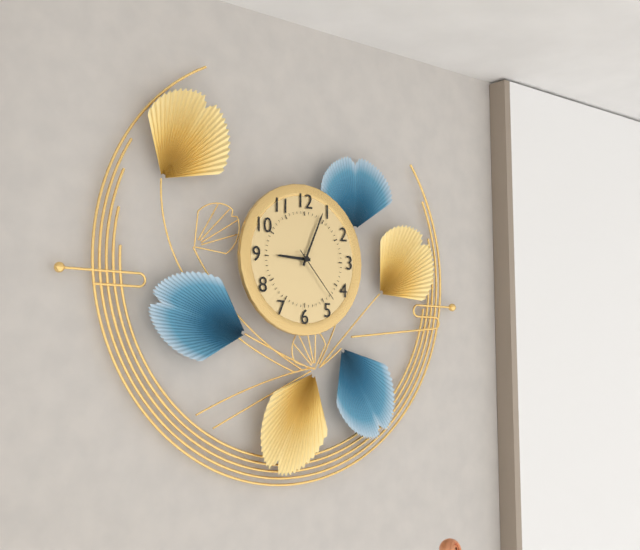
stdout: 9h04m23s
